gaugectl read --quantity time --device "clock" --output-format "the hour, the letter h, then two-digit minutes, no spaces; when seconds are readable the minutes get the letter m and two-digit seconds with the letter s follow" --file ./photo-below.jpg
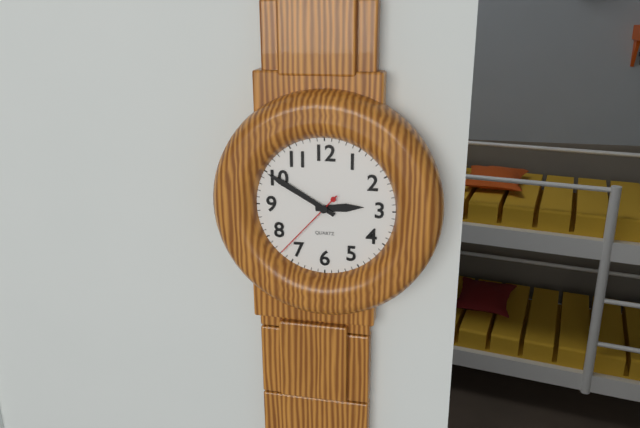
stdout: 2h50m37s
